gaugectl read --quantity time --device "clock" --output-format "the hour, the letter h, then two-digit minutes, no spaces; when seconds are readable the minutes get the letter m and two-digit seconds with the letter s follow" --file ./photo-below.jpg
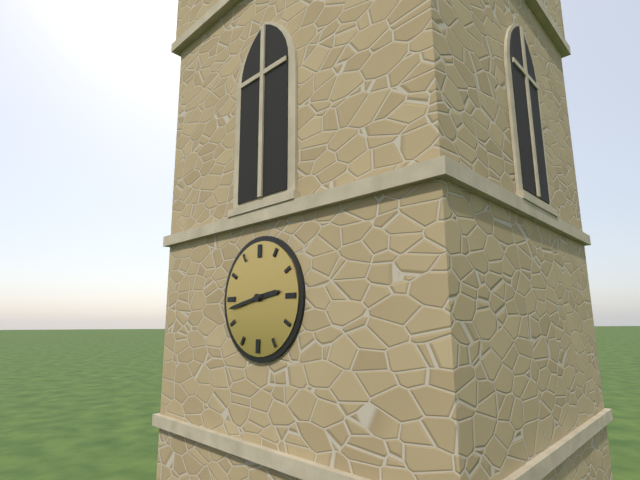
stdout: 2h43
